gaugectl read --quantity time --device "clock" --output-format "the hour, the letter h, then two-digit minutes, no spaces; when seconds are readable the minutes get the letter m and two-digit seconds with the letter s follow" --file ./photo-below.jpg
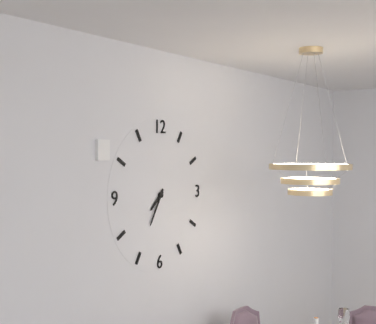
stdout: 7h35
